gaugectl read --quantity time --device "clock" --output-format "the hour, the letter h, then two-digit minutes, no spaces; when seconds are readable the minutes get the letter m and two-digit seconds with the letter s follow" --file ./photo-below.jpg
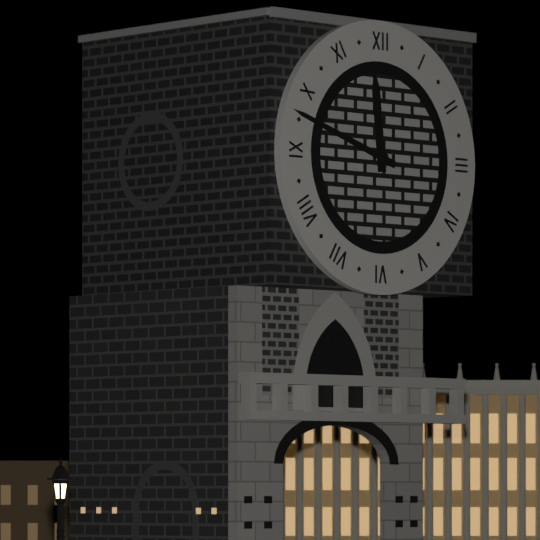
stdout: 11h48
